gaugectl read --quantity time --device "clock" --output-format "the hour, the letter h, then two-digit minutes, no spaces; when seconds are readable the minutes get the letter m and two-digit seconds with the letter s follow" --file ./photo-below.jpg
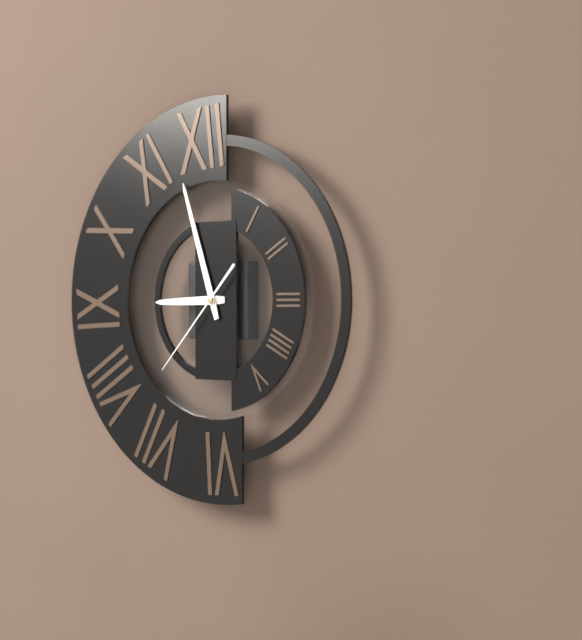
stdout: 8h57m37s
